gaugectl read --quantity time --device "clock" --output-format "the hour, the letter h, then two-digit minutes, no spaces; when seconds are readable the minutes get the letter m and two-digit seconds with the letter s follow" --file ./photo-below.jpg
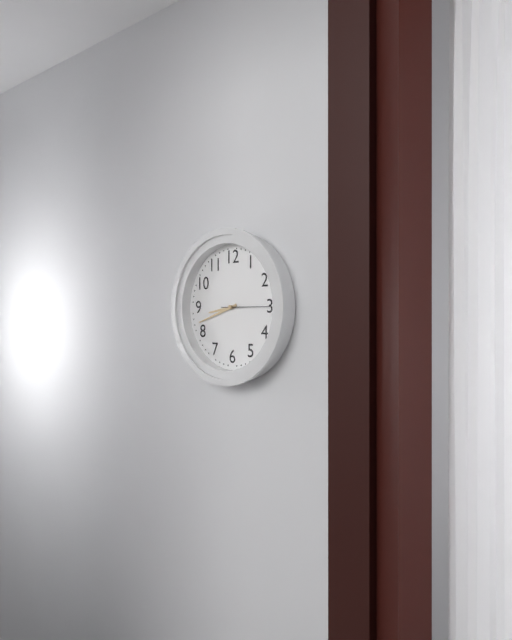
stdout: 8h42m15s
